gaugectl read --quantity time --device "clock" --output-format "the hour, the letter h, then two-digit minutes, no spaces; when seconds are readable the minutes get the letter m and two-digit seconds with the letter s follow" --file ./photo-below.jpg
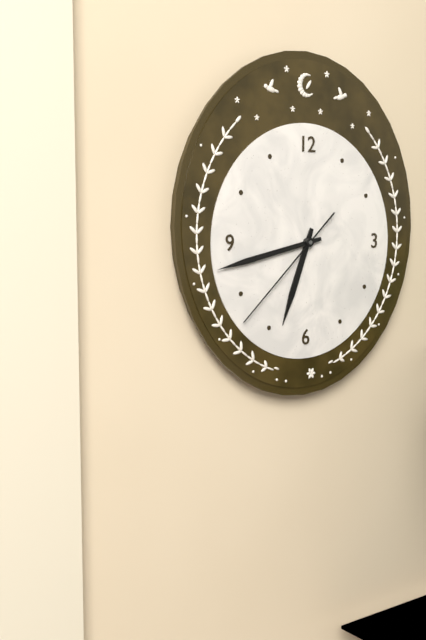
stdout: 6h43m38s
